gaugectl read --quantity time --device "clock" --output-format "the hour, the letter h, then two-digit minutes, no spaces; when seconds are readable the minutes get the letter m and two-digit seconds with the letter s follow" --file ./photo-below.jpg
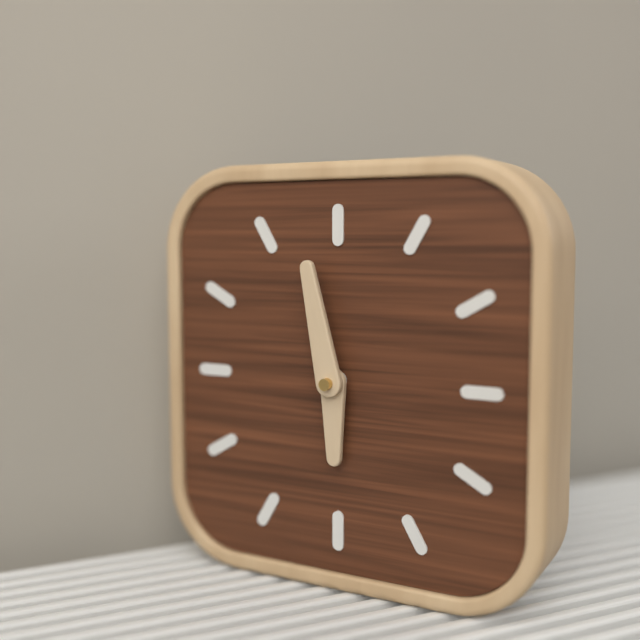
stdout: 5h58
